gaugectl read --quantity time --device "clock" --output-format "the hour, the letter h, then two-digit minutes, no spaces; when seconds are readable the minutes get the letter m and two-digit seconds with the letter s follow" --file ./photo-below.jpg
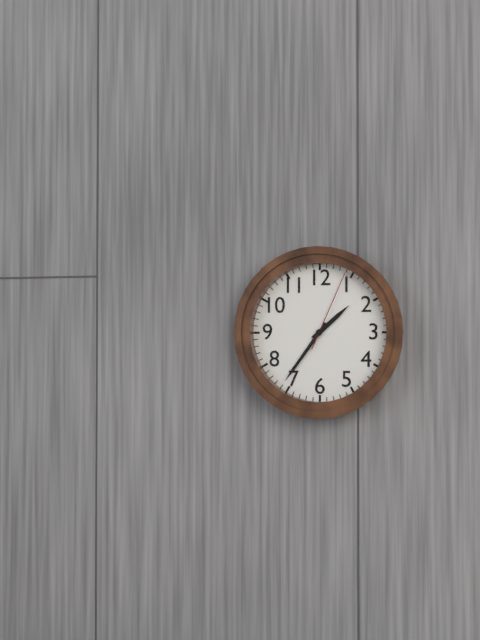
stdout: 1h36m04s
